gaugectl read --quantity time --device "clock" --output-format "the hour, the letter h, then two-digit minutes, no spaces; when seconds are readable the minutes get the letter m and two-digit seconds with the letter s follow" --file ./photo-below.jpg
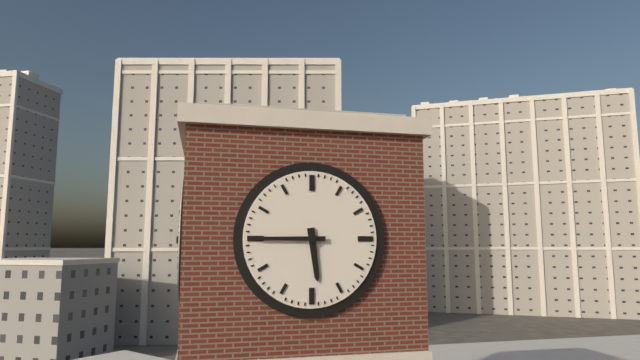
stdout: 5h45
